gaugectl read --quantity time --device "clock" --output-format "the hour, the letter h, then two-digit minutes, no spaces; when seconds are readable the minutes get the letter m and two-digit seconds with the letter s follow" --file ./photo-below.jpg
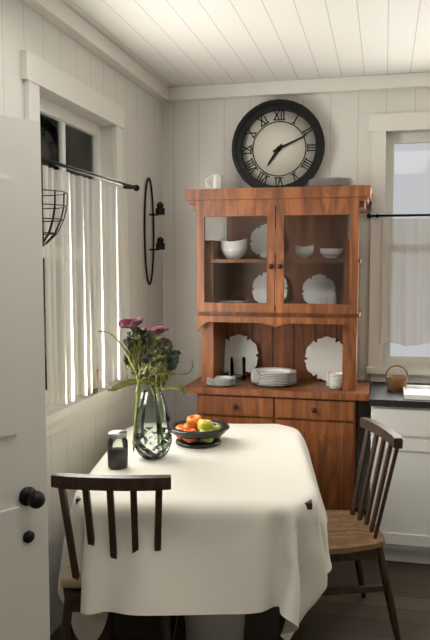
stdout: 7h11
